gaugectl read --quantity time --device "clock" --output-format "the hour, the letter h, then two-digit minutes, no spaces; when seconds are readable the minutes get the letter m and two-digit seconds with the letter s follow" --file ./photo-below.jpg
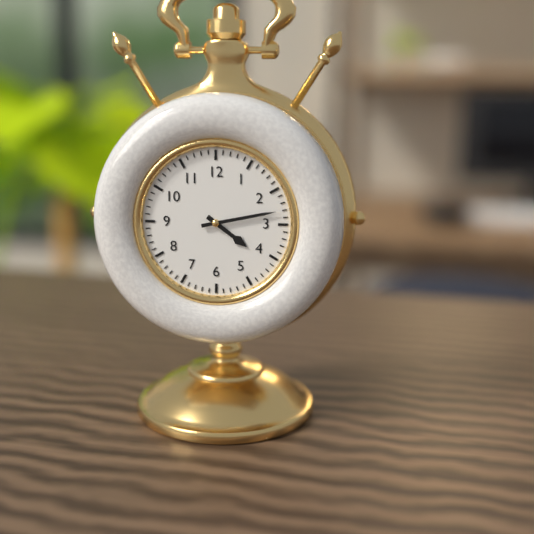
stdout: 4h13
